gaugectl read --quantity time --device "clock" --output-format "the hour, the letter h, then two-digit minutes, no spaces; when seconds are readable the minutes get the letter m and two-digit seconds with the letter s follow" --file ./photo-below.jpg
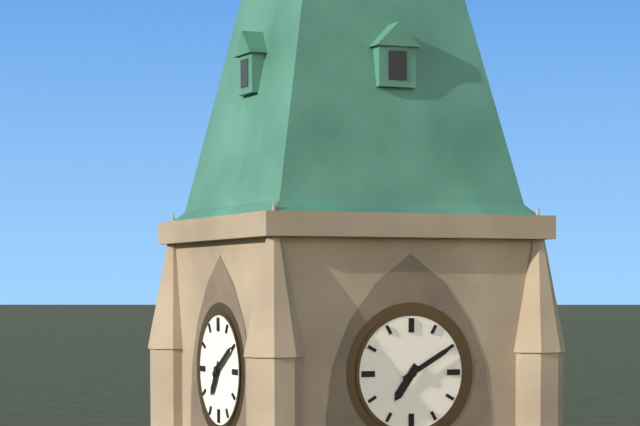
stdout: 7h10
